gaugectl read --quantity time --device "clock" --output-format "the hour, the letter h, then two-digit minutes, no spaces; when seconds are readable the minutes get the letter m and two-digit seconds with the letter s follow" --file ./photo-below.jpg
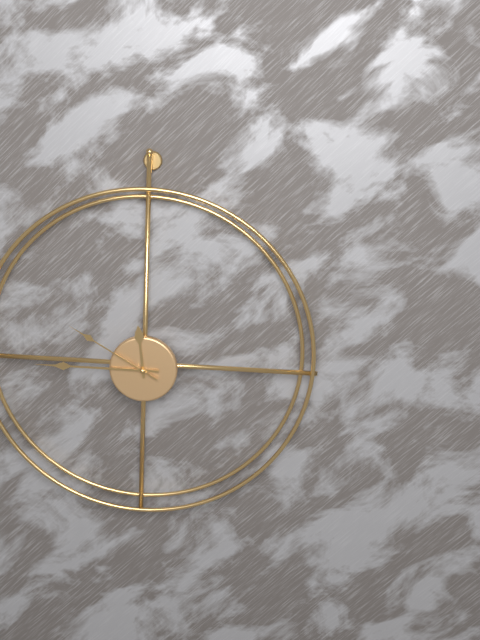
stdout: 11h45m50s
